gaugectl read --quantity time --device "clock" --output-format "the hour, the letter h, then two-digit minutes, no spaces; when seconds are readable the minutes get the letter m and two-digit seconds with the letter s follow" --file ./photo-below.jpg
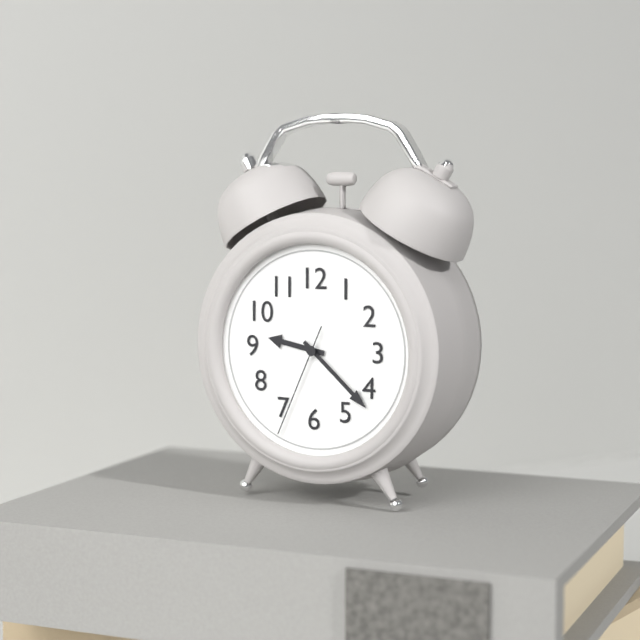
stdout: 9h22m34s
